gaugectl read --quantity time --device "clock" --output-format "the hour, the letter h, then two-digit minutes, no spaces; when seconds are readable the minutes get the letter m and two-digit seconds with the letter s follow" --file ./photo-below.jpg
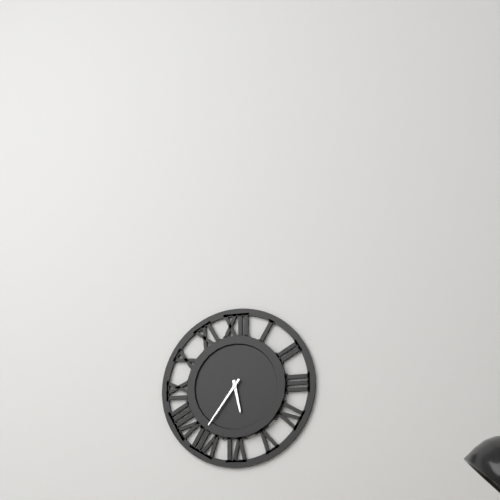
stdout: 5h36
